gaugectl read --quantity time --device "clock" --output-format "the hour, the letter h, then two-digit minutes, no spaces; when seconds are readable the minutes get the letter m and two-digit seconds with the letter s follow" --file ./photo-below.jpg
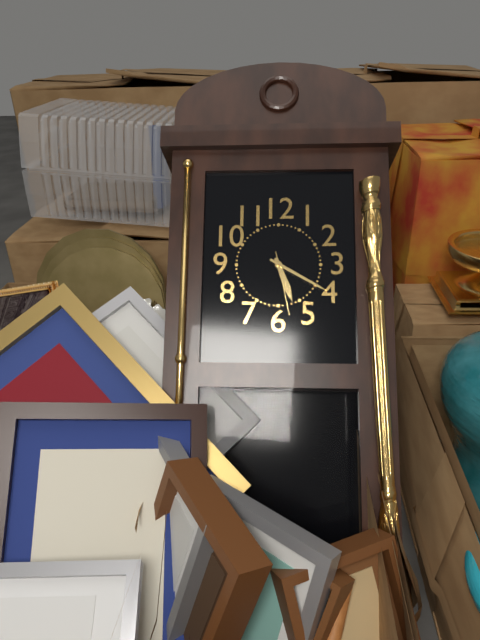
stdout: 5h20m28s
